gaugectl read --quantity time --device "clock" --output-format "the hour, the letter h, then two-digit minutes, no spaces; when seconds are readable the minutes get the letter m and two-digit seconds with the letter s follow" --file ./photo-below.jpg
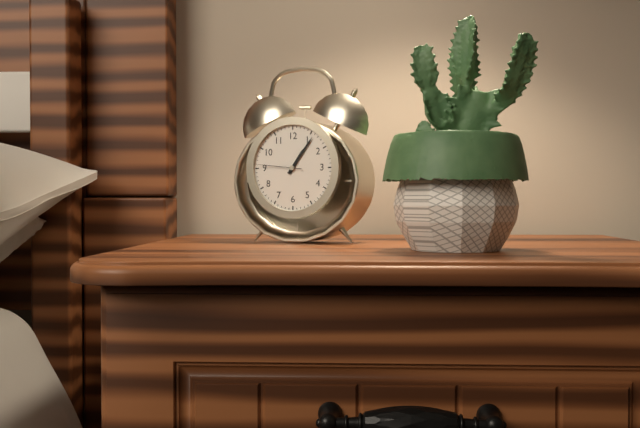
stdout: 1h06
